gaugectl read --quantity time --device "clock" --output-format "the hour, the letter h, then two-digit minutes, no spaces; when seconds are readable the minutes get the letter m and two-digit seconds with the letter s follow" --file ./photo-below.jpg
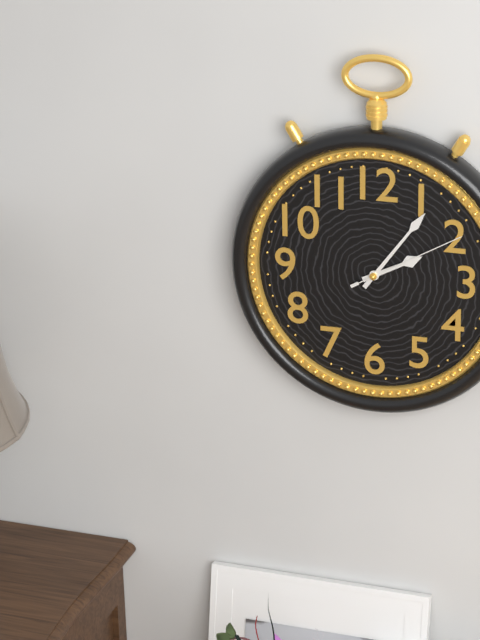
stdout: 2h06m10s
